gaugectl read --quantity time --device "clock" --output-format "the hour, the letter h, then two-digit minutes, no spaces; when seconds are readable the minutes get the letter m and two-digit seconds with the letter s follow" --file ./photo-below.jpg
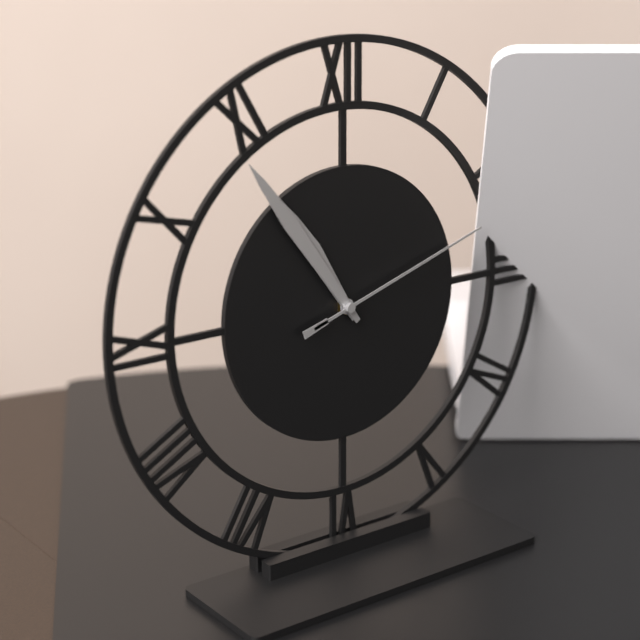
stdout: 10h54m12s
